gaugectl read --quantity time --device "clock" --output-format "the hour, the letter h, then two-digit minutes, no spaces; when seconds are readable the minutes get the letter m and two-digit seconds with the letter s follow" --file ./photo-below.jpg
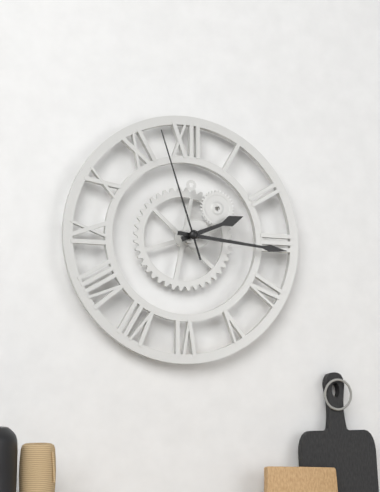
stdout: 2h16m57s
